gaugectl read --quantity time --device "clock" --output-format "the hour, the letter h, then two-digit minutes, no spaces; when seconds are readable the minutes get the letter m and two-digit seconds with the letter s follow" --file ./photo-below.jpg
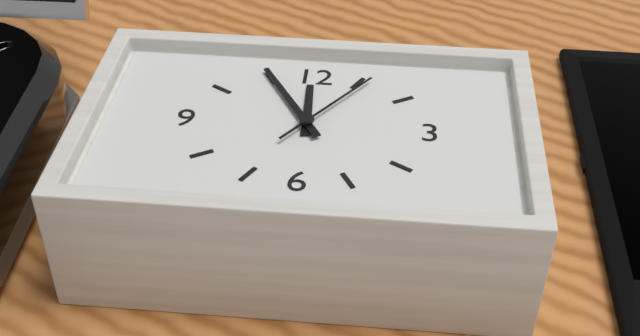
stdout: 11h55m06s
